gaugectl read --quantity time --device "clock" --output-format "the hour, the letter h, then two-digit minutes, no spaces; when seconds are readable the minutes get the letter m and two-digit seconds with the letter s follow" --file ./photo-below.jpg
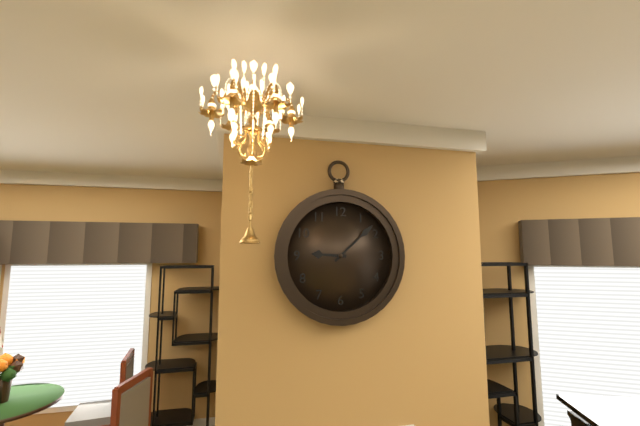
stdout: 9h08
